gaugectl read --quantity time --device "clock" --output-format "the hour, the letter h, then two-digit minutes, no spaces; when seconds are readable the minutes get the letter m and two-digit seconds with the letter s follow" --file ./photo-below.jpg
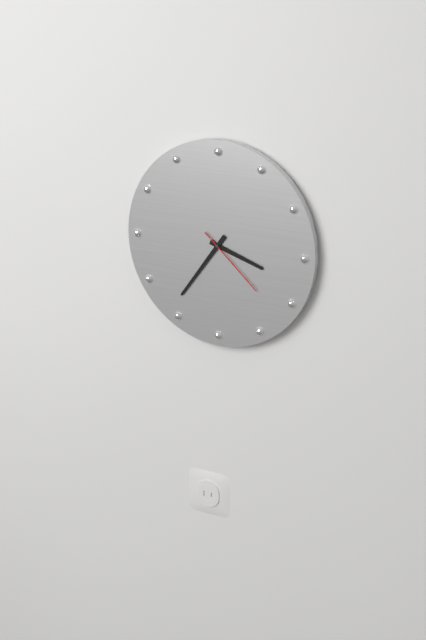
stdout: 3h36m22s
